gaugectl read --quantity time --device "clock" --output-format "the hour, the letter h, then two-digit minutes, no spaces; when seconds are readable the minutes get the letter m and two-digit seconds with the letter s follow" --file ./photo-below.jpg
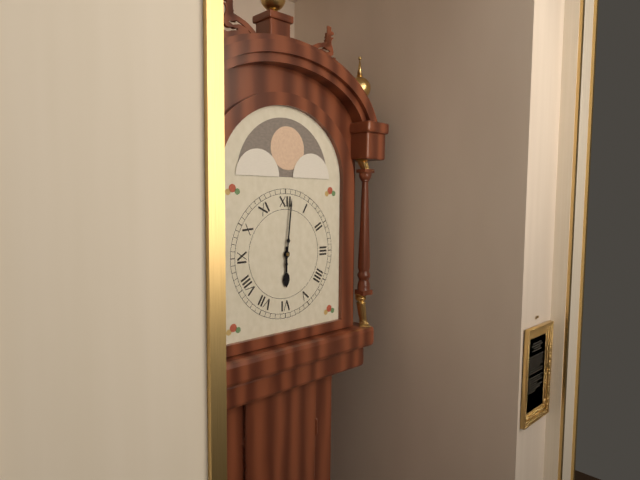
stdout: 6h01
